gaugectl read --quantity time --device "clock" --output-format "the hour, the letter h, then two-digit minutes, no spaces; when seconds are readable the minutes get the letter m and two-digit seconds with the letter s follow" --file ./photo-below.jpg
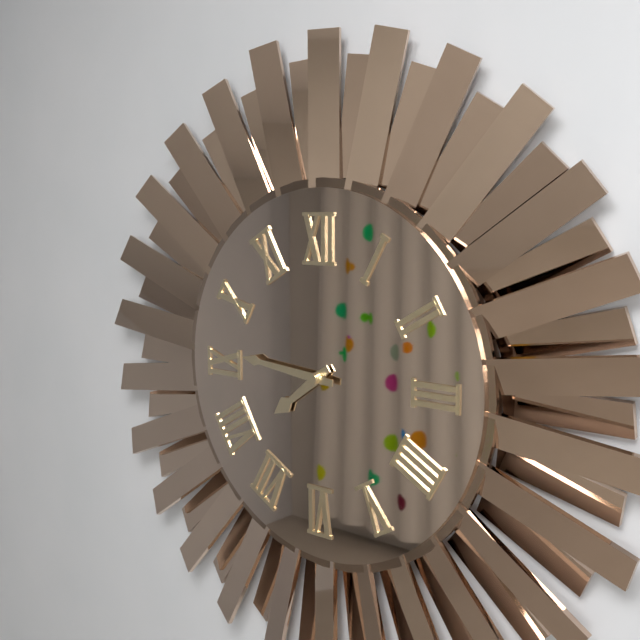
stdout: 7h46
